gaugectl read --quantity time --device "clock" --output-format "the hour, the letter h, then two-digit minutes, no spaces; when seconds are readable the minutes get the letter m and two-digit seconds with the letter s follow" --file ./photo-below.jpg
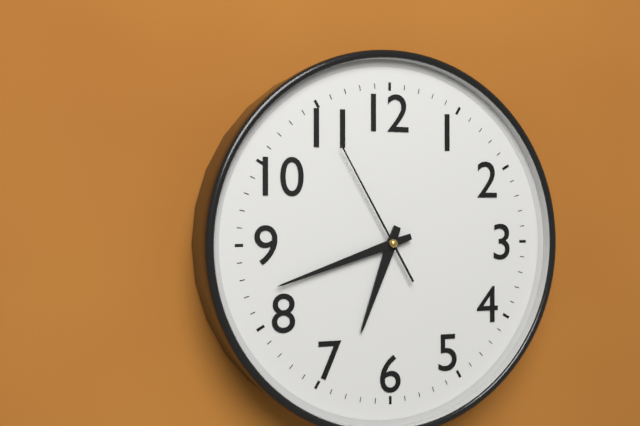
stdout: 6h42m55s
